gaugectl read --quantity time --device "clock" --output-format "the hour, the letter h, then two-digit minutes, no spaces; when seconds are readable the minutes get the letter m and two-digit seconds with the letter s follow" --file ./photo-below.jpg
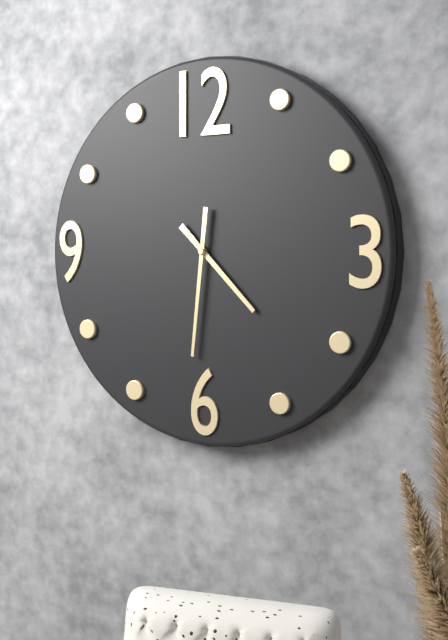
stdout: 4h31
